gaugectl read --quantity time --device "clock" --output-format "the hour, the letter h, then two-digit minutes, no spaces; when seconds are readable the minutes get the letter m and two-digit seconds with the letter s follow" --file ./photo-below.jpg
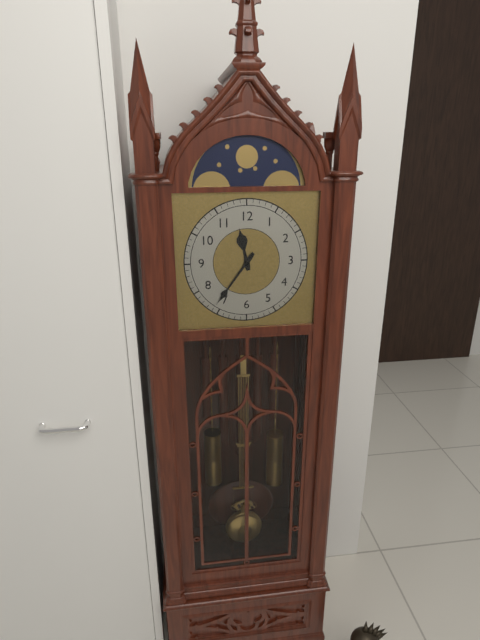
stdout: 11h36
